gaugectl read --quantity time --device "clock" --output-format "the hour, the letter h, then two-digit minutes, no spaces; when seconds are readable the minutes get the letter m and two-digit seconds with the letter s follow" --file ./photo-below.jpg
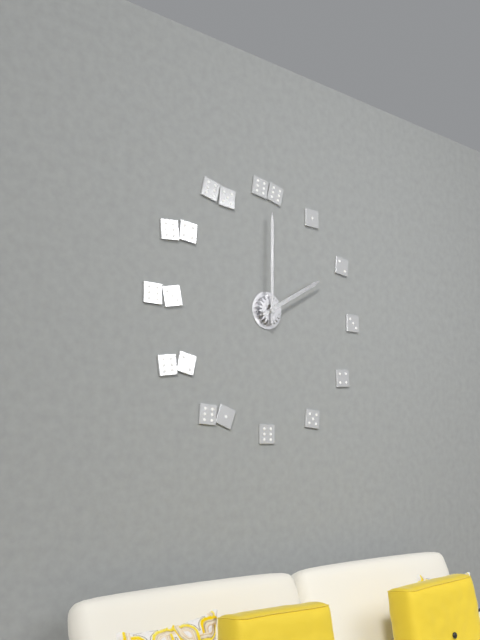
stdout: 2h00
